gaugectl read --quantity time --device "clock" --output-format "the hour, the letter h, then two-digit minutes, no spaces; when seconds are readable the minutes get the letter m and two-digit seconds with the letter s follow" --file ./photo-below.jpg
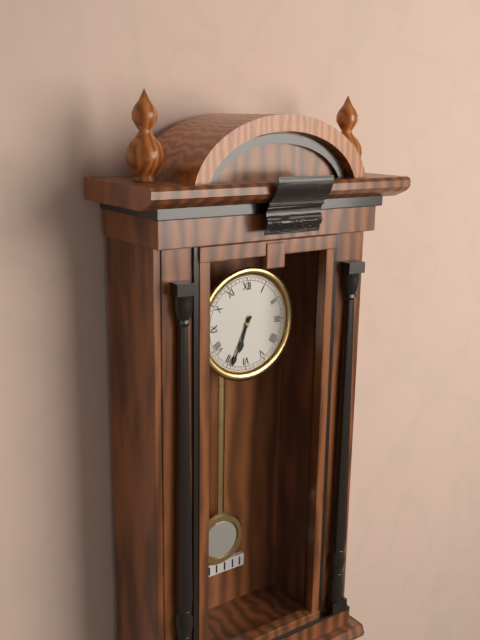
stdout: 6h34
